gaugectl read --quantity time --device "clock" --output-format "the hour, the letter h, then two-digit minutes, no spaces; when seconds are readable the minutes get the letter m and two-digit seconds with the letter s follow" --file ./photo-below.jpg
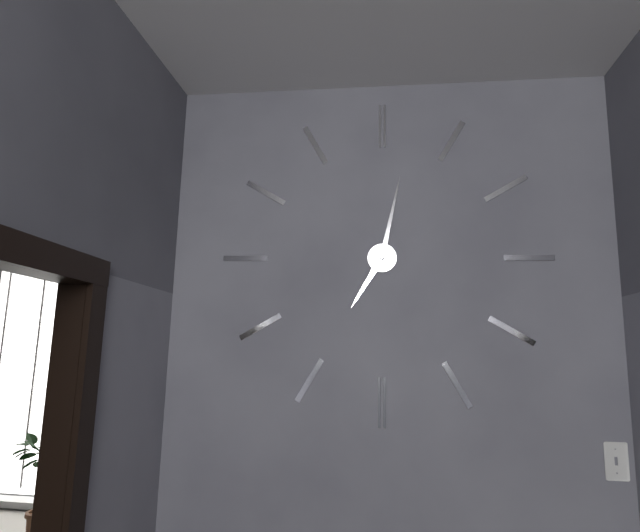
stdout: 7h02
